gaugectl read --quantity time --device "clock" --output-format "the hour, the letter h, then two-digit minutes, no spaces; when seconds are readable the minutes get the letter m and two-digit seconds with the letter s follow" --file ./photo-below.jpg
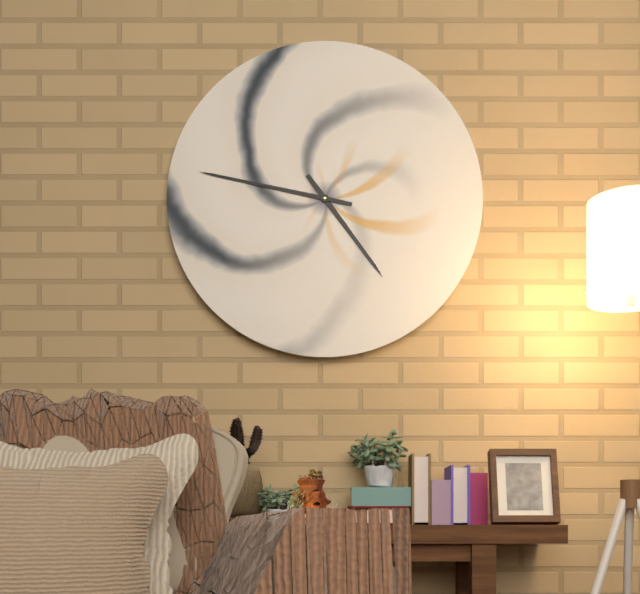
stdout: 4h47
